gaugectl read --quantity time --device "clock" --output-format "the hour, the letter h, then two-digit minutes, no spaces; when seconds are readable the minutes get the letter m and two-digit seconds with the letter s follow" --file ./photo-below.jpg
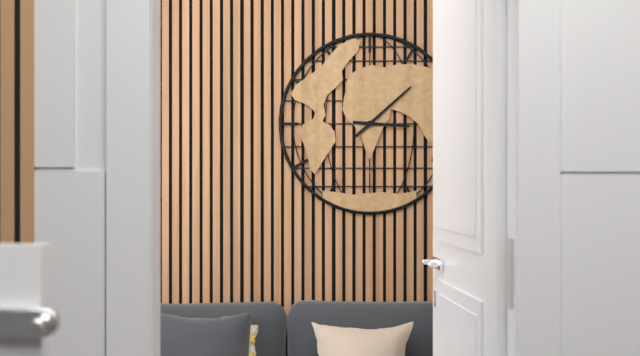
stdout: 3h08
